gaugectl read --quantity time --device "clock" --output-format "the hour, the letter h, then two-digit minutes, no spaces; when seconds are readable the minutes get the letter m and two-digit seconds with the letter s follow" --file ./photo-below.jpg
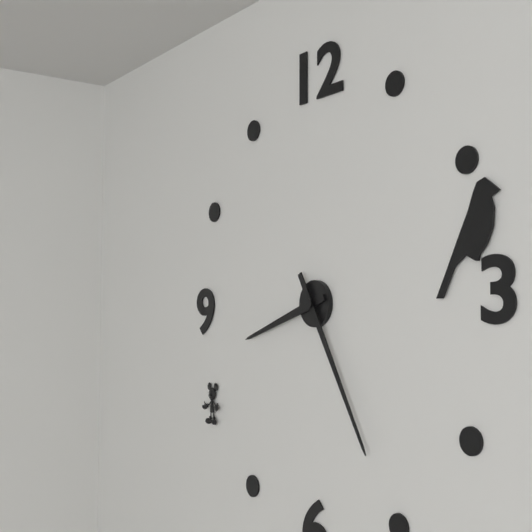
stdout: 8h25
